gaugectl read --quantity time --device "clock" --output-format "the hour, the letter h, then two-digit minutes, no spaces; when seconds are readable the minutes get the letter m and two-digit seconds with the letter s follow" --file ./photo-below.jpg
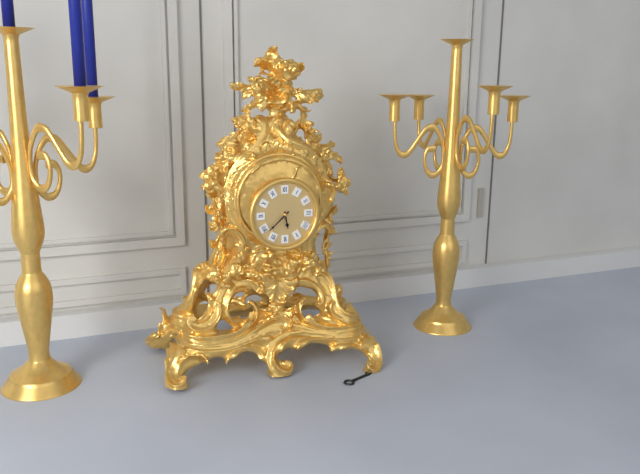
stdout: 5h38
